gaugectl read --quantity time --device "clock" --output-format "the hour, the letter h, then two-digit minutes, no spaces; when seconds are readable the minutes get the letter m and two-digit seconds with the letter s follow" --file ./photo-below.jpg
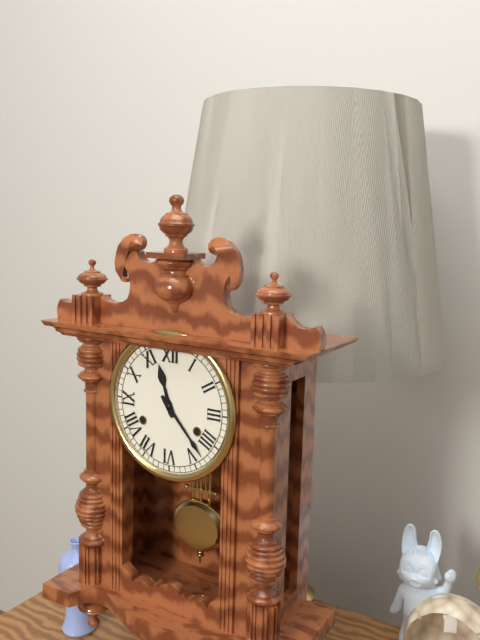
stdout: 11h23
